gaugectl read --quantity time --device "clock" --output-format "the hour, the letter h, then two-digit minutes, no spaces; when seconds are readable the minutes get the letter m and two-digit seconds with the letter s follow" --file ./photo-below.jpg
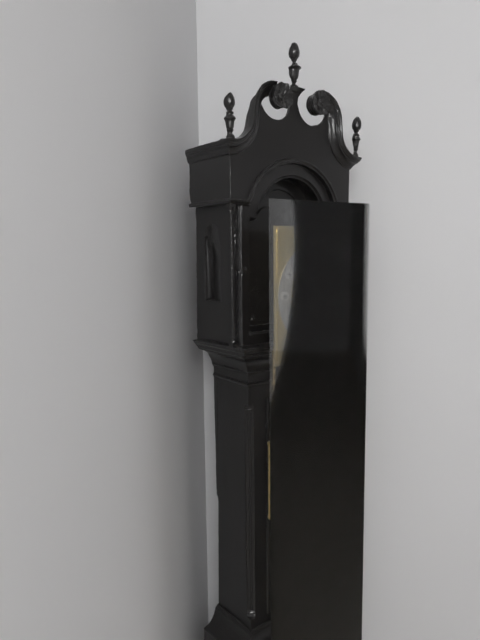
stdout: 1h20
